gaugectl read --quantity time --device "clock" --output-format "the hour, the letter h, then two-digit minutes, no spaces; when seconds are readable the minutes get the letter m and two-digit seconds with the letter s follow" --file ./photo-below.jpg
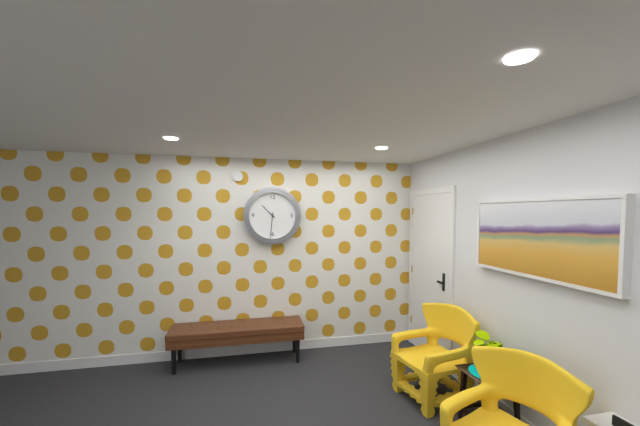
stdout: 10h31
